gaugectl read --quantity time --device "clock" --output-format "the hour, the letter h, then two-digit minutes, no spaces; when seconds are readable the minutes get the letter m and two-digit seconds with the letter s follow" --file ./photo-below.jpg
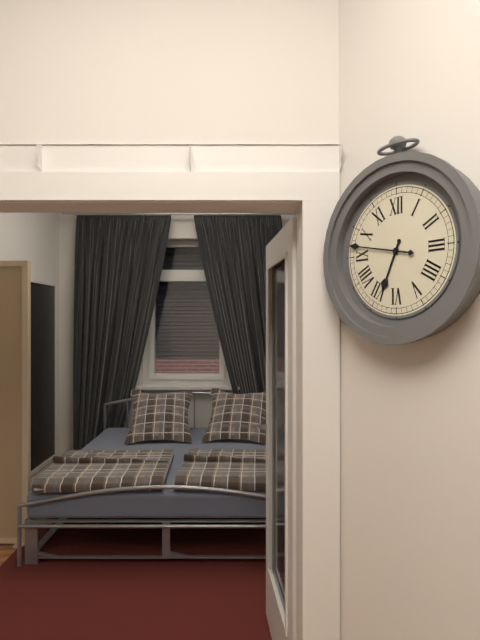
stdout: 6h47
